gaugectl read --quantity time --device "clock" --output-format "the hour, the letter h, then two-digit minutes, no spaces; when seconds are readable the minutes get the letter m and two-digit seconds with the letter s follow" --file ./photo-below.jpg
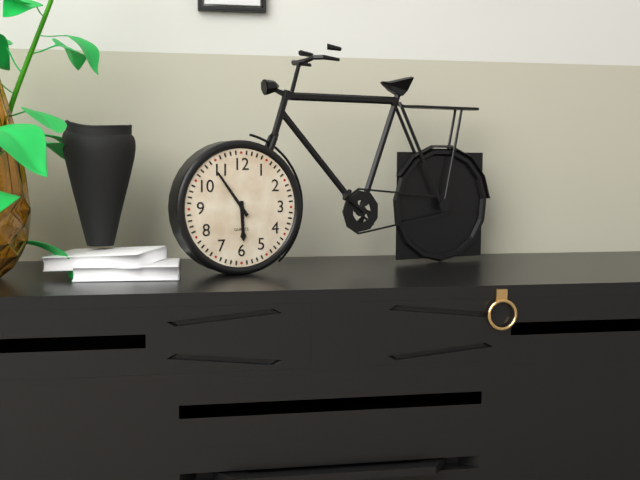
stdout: 5h54
